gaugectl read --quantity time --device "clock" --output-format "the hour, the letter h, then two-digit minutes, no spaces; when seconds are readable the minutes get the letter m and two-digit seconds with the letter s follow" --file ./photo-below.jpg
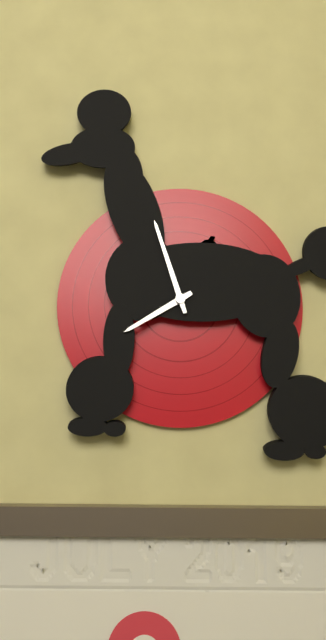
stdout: 7h57
